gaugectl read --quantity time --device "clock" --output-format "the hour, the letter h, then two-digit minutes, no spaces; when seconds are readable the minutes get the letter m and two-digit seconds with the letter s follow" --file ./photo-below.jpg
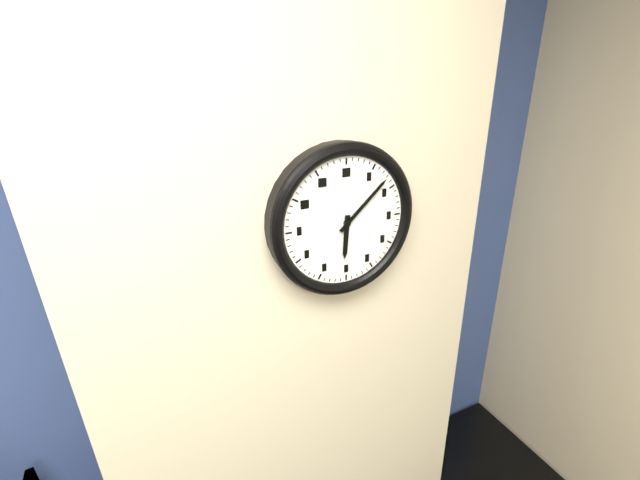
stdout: 6h08
